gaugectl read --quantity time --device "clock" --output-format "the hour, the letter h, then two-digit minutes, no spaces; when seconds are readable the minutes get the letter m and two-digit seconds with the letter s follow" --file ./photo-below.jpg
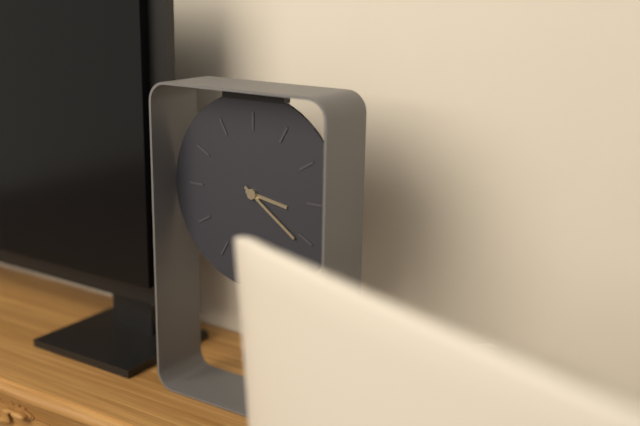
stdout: 3h21
